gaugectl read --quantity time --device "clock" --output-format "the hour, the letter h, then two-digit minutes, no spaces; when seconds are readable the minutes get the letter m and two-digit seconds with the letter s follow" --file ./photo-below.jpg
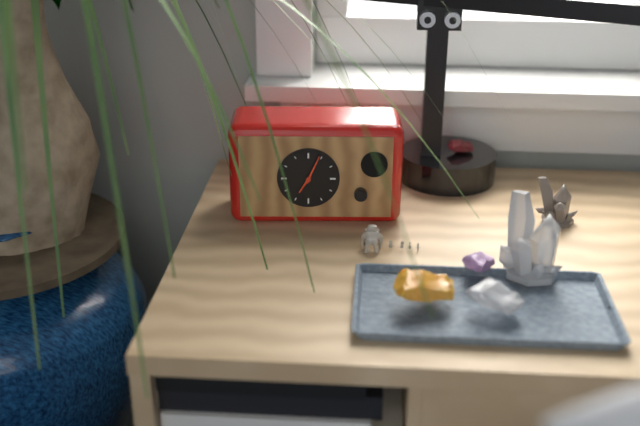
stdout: 7h04
